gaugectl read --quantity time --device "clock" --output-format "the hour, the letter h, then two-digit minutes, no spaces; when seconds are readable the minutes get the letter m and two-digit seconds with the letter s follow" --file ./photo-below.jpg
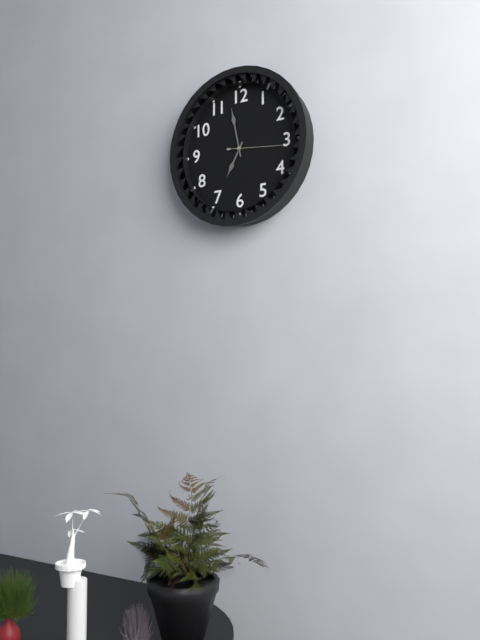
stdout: 6h58m16s
